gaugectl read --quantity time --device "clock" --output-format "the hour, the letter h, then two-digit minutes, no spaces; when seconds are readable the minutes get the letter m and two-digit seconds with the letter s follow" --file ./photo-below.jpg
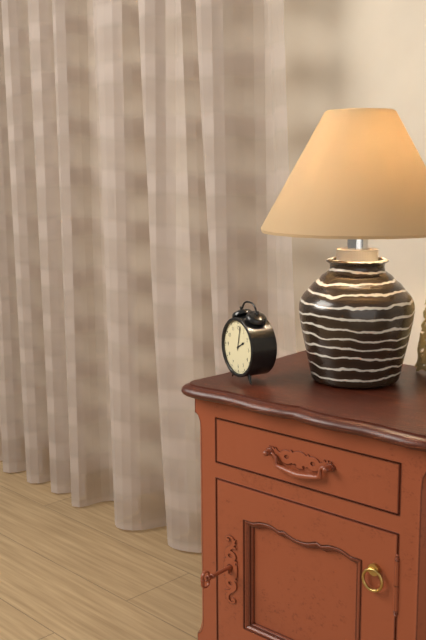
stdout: 2h02
